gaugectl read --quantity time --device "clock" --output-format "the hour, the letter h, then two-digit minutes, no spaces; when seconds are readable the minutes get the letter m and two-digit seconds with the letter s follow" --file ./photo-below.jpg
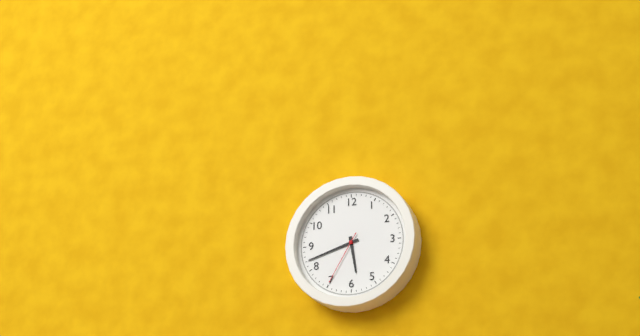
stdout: 5h42m35s
